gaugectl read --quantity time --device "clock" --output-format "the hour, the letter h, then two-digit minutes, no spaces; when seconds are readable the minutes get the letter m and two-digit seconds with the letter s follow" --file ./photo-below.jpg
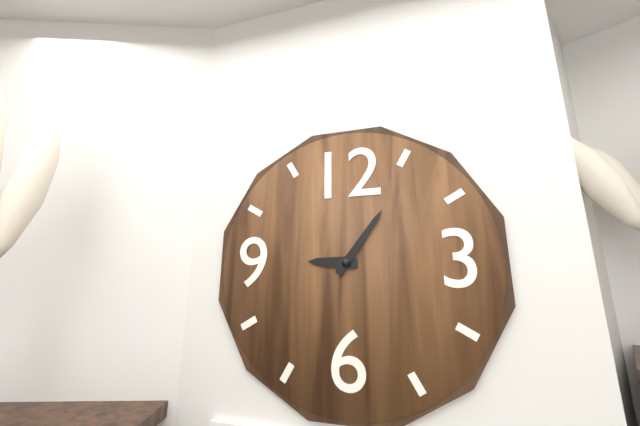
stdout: 9h06
